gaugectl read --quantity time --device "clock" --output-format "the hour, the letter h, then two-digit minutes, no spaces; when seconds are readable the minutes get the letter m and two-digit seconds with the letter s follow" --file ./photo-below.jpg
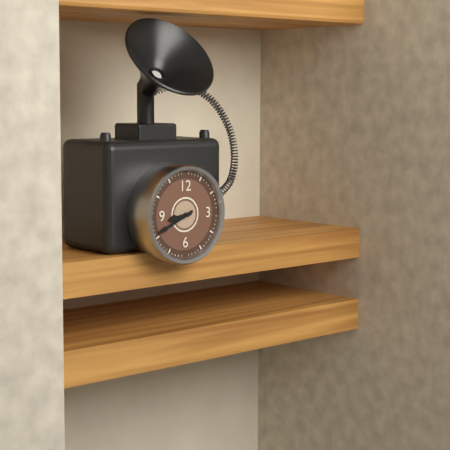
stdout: 8h41
